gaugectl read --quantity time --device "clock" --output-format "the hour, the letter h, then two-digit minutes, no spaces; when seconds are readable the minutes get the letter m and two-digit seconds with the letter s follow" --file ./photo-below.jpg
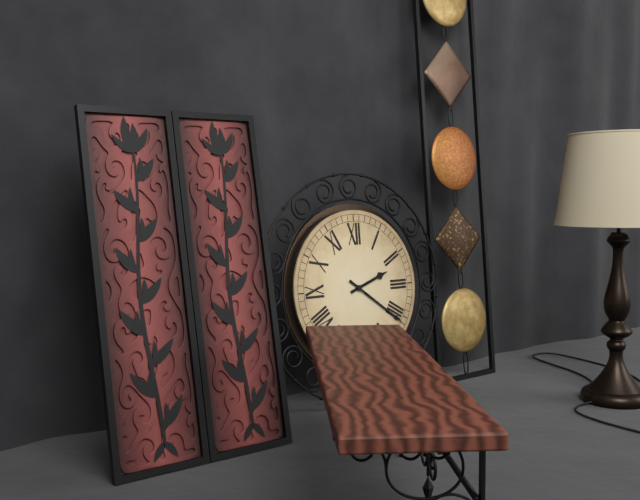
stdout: 2h21
